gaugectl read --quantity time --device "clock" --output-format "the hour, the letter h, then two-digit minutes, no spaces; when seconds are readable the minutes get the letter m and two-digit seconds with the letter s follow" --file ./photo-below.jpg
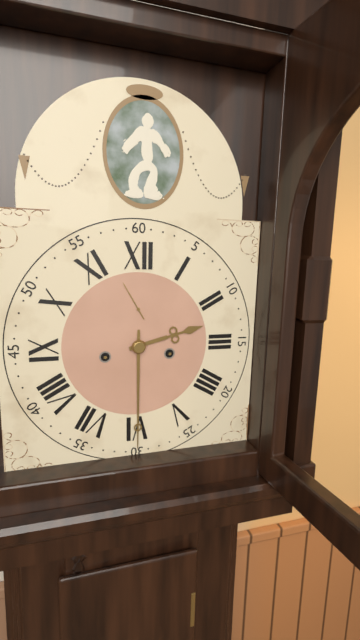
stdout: 2h30
